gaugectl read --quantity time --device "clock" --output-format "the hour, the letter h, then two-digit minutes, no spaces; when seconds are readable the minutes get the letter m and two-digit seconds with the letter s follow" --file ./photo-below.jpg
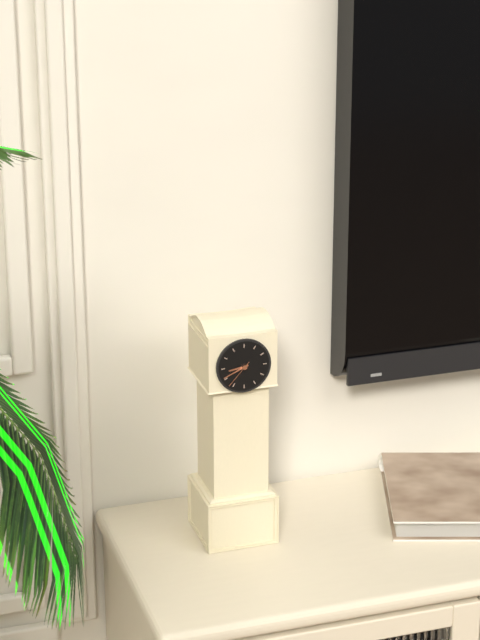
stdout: 8h41
